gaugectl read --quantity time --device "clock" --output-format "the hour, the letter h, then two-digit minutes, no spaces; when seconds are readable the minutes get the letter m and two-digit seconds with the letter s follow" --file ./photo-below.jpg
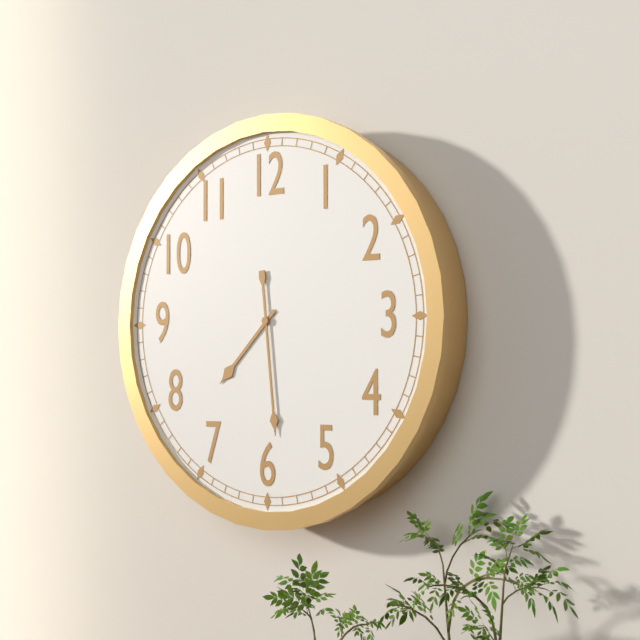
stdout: 7h29
